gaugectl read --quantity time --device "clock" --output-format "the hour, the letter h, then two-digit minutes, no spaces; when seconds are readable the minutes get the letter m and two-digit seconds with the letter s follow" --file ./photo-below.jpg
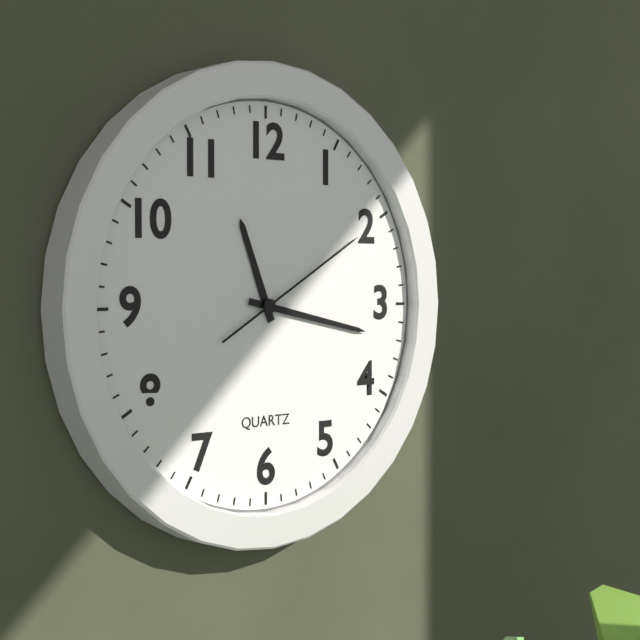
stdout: 11h17m10s
